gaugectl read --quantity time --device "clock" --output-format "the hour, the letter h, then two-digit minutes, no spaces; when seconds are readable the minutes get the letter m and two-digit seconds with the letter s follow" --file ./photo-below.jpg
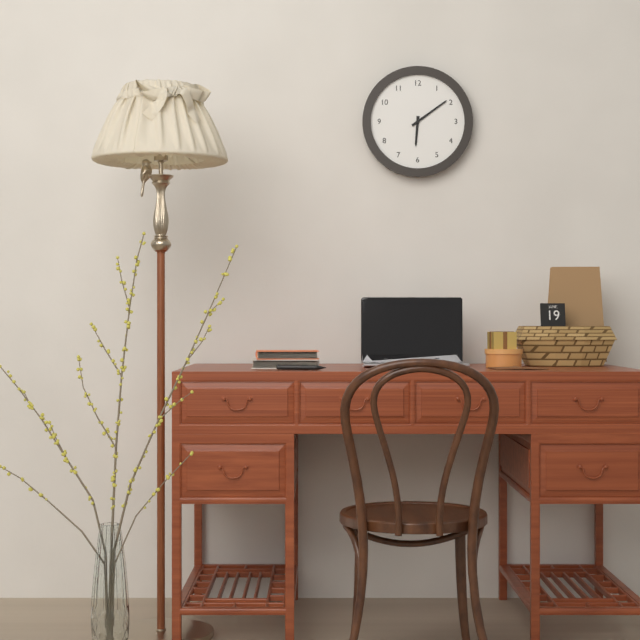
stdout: 6h09
